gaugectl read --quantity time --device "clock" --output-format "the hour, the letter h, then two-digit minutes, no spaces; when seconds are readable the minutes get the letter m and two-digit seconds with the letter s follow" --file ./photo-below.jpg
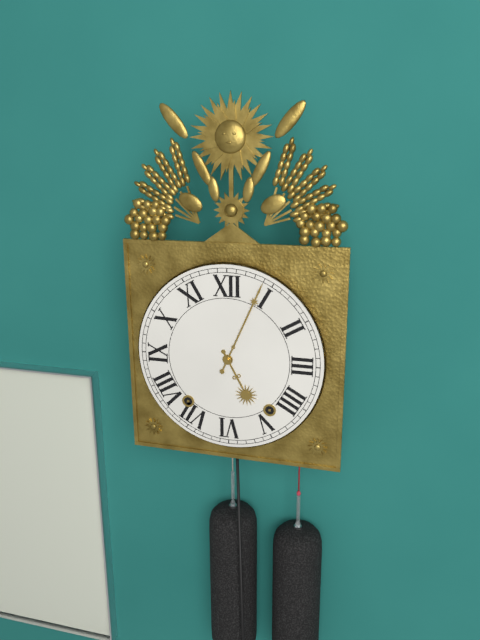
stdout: 5h04
